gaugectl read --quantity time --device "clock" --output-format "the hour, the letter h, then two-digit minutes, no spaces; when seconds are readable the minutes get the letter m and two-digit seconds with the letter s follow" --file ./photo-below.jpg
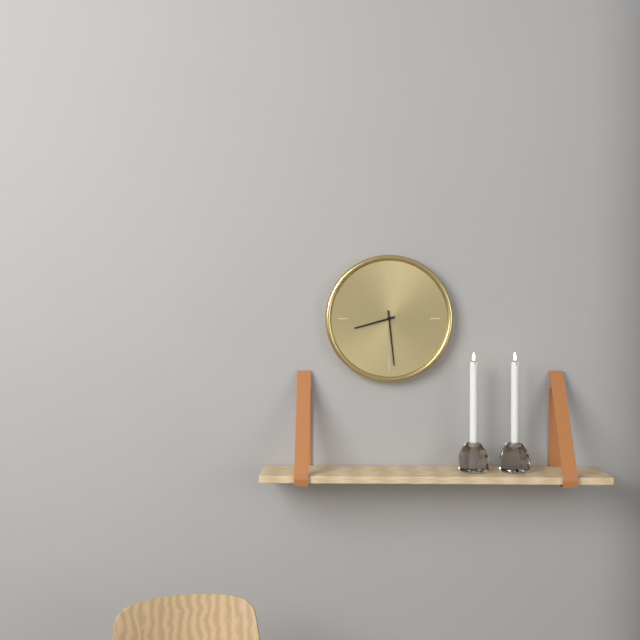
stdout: 8h29
